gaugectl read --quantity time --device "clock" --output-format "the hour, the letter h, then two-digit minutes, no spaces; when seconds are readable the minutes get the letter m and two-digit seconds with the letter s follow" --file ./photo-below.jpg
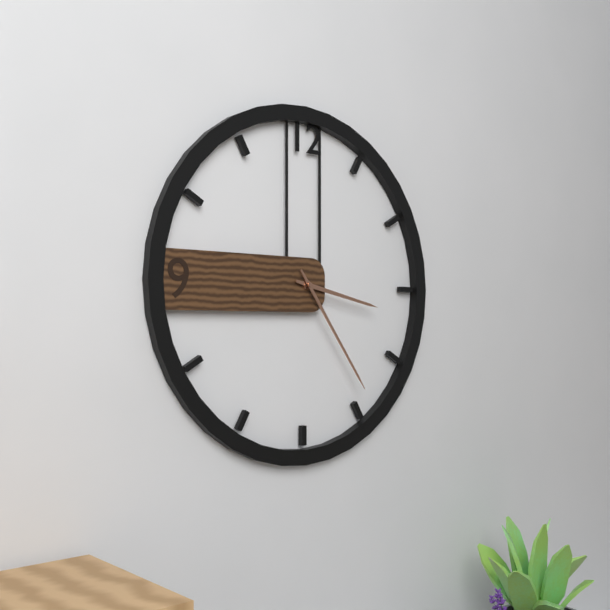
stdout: 3h24
